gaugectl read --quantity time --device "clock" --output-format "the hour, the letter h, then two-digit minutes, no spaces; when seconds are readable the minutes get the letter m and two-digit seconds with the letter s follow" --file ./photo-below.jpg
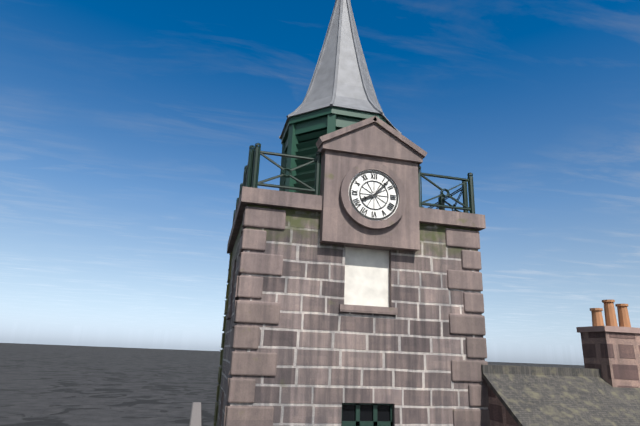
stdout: 8h07
